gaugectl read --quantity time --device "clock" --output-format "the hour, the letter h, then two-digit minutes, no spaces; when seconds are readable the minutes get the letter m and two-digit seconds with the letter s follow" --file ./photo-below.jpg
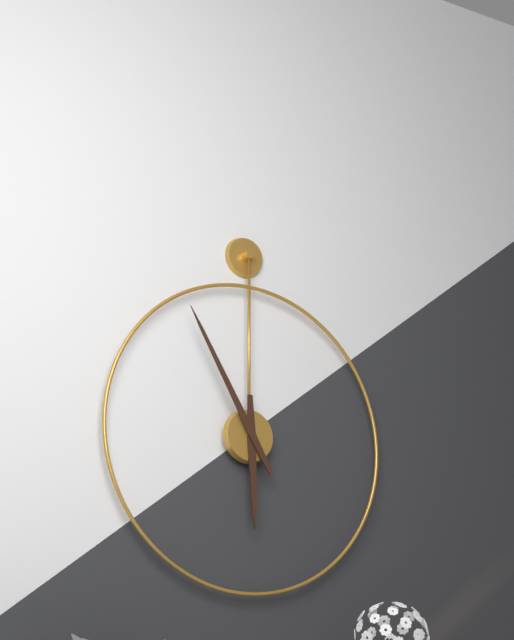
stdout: 5h55
